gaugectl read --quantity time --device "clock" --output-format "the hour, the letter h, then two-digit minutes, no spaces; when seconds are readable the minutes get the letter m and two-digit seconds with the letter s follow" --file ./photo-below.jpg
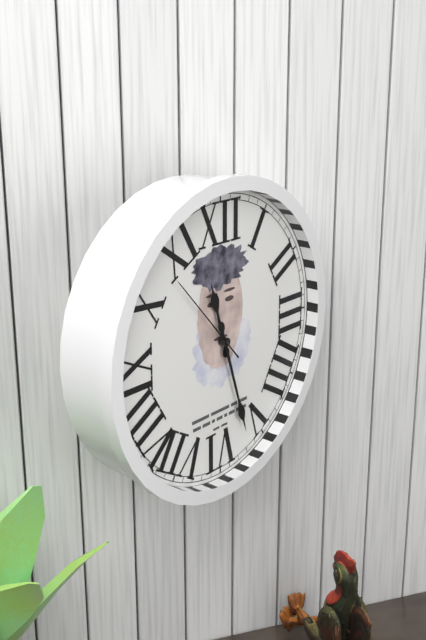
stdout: 11h27m53s
